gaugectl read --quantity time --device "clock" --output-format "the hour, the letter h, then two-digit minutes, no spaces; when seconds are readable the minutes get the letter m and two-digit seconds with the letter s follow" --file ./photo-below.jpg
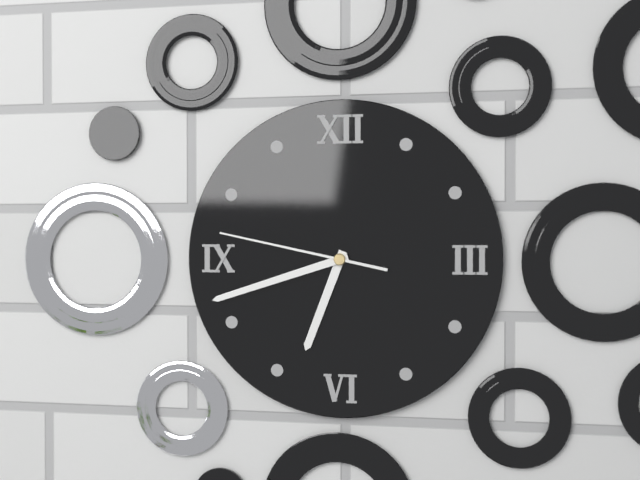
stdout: 6h42m47s
